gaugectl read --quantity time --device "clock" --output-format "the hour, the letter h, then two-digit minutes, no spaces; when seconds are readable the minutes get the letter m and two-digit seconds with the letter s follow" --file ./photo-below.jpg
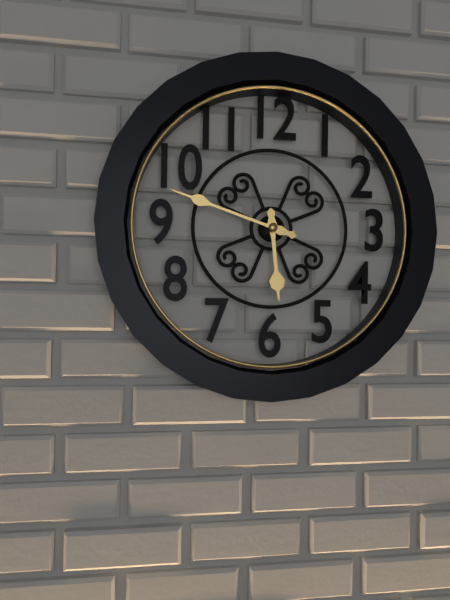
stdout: 5h48
